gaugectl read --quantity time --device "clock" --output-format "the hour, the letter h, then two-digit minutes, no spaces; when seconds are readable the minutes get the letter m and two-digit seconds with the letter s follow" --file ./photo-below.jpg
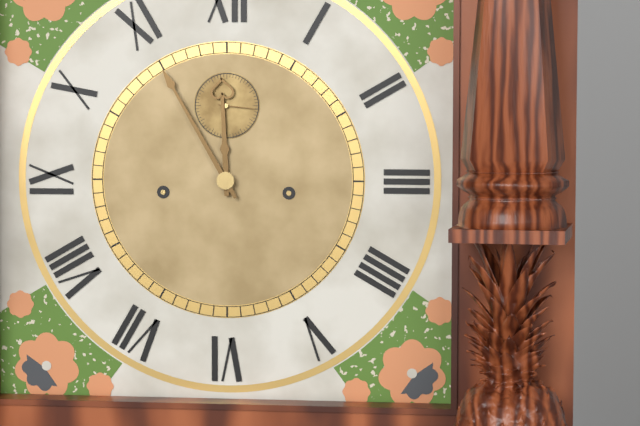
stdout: 11h55
